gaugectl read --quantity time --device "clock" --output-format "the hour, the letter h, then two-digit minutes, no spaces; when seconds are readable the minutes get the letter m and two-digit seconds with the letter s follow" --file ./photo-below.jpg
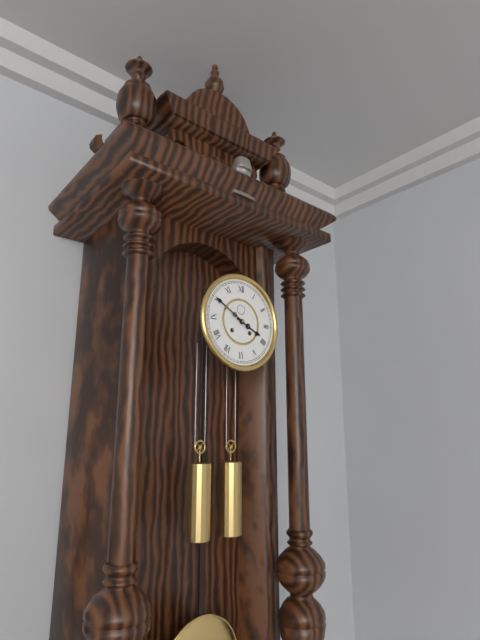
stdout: 3h50
